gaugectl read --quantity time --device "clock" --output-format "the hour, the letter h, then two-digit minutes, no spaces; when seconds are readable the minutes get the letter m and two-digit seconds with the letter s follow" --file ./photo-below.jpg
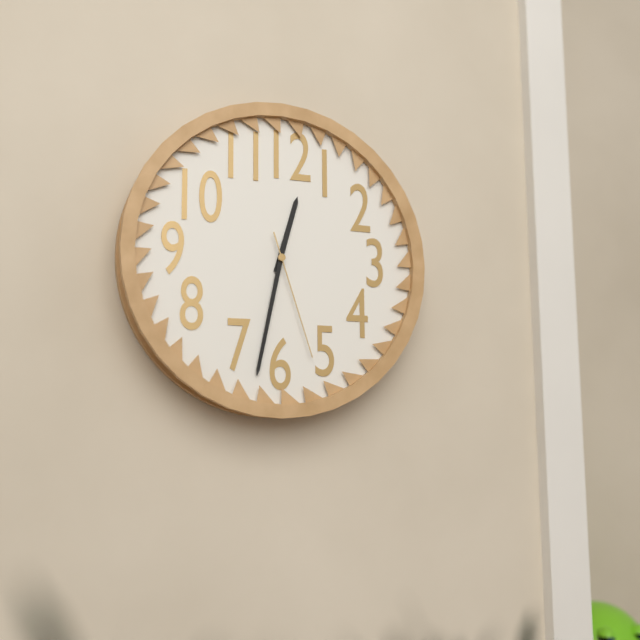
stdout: 12h32m27s
